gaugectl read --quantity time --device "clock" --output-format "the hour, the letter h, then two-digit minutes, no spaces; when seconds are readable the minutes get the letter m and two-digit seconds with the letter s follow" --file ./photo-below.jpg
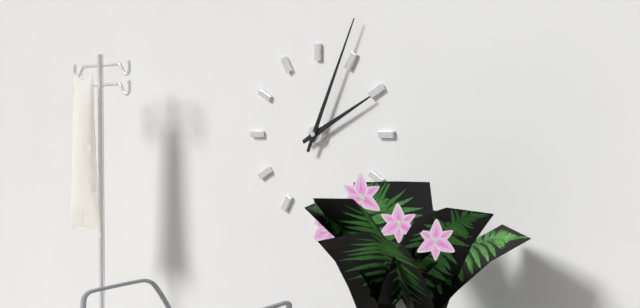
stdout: 2h04
